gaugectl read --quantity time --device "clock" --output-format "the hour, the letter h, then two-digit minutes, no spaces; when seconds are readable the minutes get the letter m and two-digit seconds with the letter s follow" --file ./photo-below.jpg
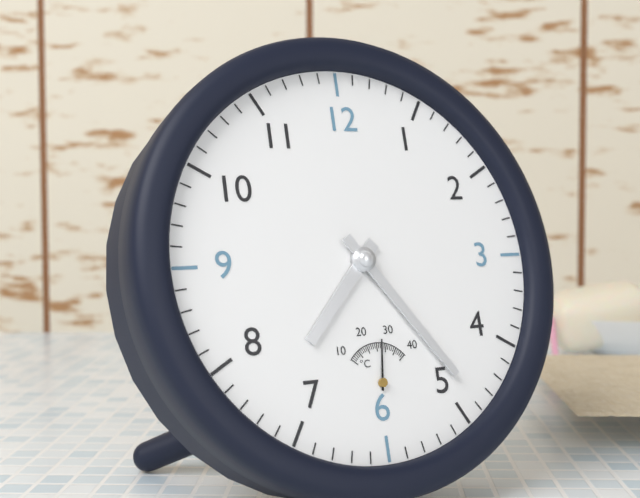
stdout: 7h24
